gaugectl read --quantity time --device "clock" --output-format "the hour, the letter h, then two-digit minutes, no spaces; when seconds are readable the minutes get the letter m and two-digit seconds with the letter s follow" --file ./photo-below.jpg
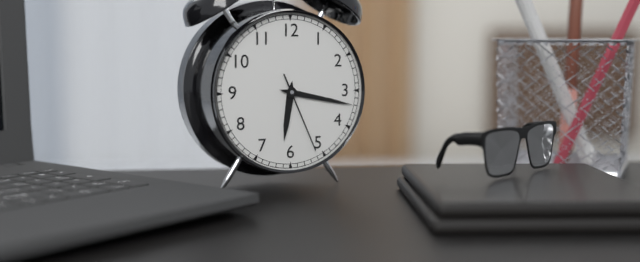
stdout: 6h17m26s
